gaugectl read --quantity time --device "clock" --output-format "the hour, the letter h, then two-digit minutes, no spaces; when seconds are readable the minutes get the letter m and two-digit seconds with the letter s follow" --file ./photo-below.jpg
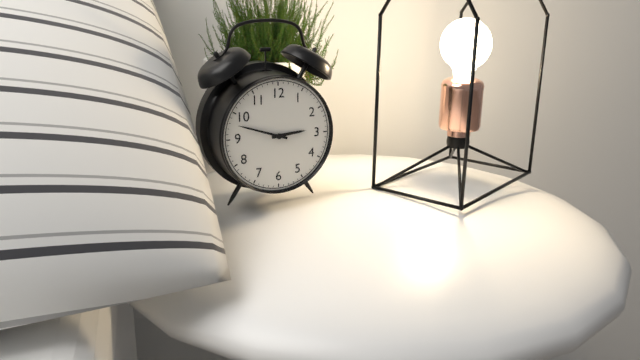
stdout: 2h48
